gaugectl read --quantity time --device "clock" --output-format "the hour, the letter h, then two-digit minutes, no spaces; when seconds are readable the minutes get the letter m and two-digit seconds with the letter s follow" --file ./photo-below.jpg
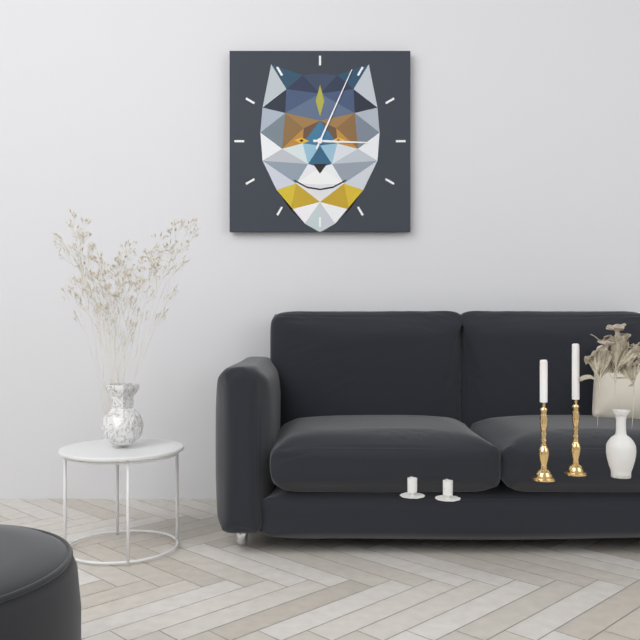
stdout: 3h04
